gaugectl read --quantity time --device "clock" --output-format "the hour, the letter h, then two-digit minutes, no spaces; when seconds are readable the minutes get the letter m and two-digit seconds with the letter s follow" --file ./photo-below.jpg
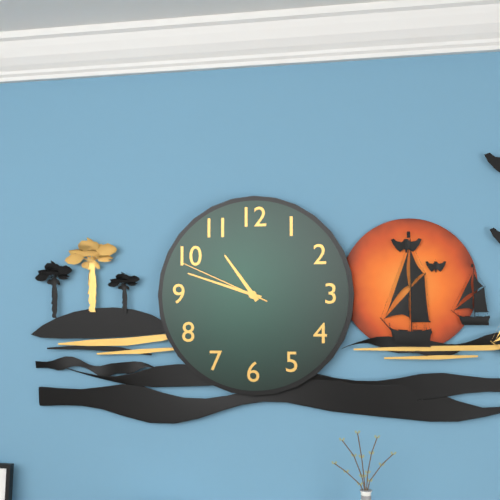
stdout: 10h48m49s
